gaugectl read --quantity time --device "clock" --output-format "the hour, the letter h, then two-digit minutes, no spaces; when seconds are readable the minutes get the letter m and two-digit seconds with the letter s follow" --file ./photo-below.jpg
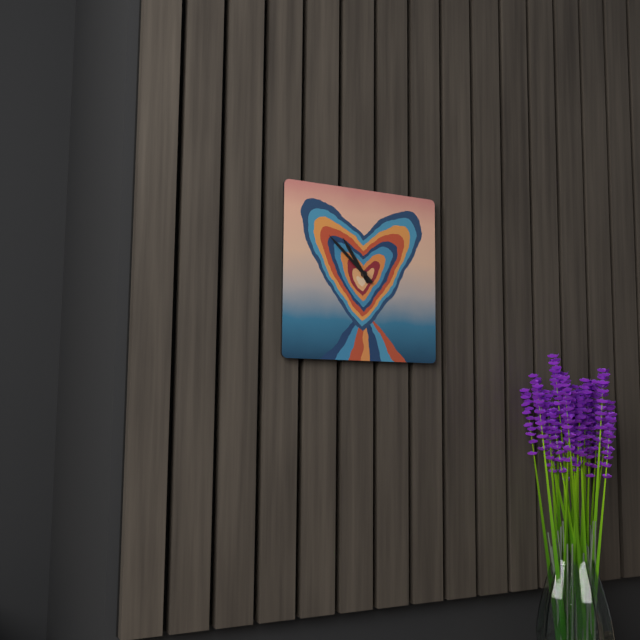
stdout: 10h52
